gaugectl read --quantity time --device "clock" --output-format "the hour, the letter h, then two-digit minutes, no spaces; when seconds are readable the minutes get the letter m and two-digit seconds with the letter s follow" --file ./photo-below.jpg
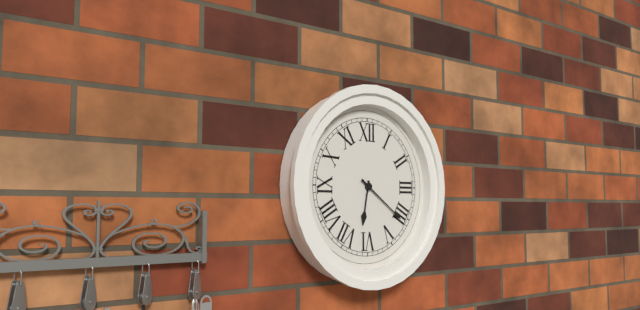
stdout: 6h21
